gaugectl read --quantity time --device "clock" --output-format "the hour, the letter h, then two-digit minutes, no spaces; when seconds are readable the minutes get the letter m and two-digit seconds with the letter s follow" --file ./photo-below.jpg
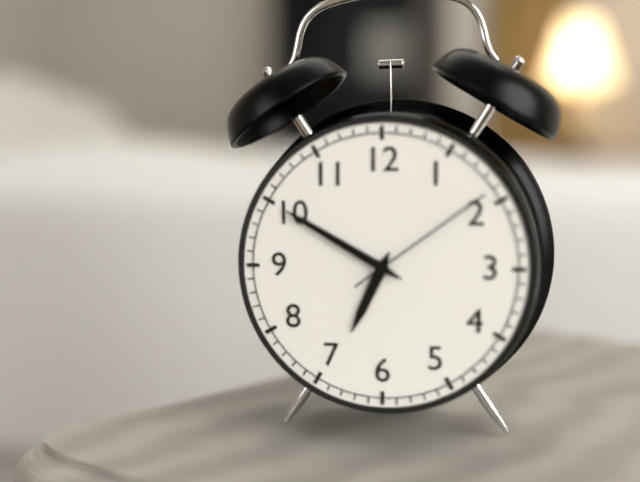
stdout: 6h50m09s
